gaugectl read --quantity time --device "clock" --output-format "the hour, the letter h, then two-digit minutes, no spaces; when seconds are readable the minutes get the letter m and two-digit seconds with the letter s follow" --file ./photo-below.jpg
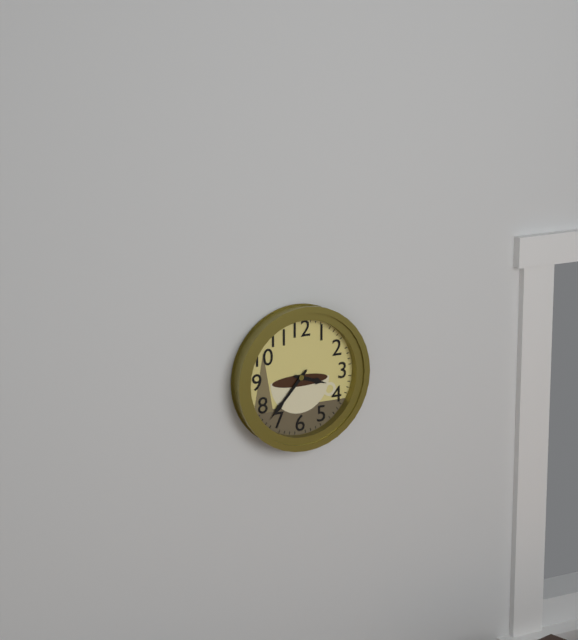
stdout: 3h37
